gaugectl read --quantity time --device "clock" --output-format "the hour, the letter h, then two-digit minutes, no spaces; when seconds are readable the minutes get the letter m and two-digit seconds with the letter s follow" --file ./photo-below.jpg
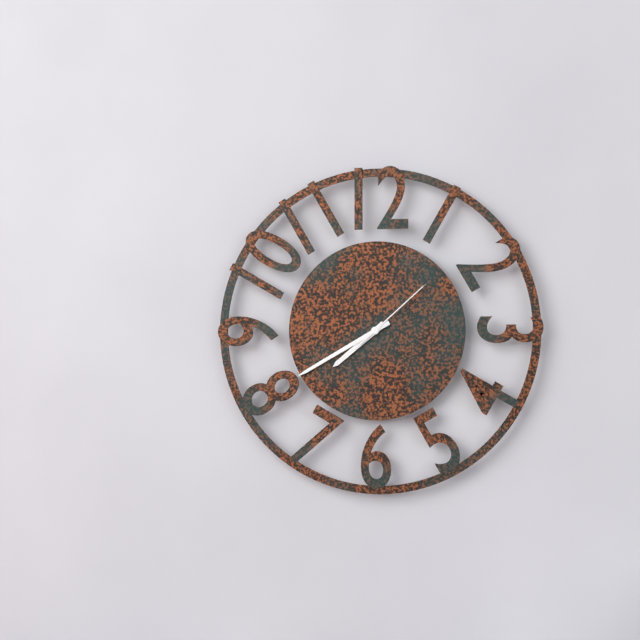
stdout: 7h40m08s
